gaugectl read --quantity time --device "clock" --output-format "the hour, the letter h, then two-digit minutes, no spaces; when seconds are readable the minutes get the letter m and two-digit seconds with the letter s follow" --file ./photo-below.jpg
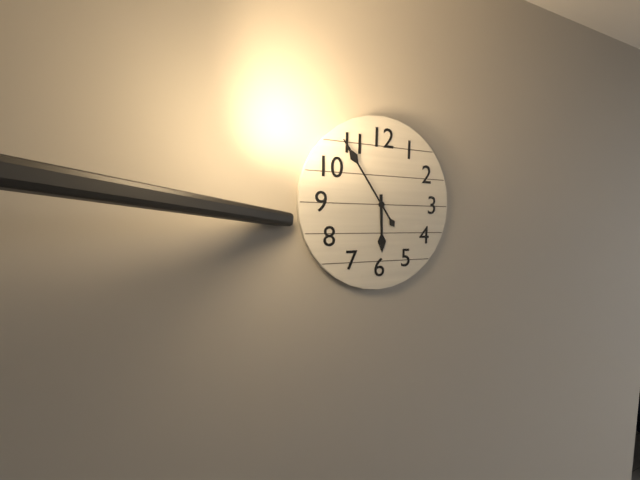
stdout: 5h54
